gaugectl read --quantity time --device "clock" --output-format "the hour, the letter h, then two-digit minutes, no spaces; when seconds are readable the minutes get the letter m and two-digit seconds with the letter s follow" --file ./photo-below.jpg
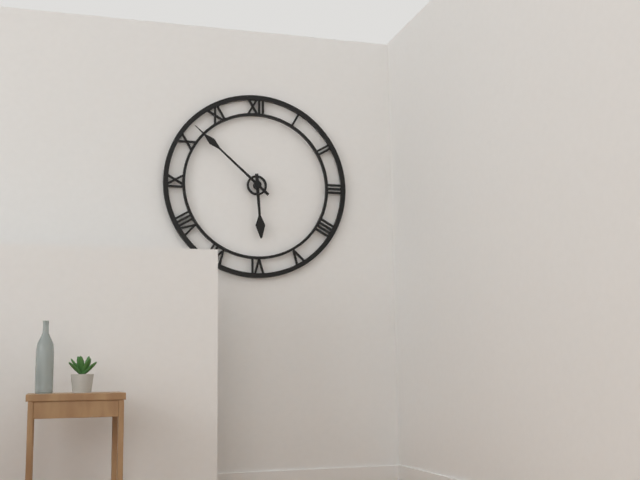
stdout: 5h52
